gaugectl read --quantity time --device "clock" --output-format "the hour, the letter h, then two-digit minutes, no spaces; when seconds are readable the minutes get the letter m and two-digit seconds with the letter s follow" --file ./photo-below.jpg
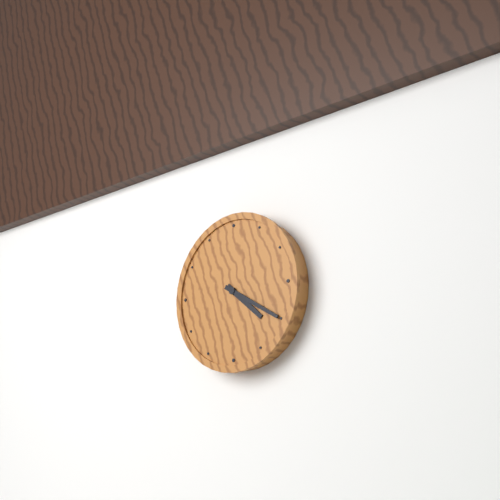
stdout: 4h20
